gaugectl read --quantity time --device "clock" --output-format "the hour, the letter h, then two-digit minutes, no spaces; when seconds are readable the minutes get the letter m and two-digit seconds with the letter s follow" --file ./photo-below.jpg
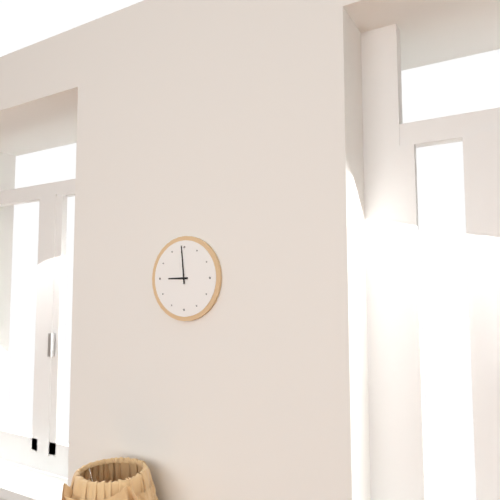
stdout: 8h59
